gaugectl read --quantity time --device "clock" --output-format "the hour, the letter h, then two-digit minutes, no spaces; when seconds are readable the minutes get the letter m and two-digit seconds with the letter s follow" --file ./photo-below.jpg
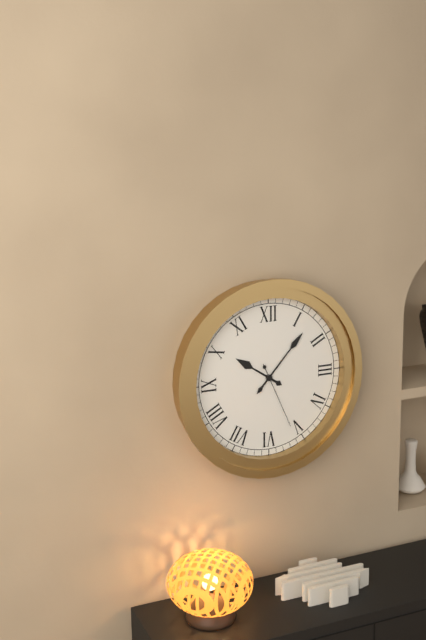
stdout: 10h07m26s
